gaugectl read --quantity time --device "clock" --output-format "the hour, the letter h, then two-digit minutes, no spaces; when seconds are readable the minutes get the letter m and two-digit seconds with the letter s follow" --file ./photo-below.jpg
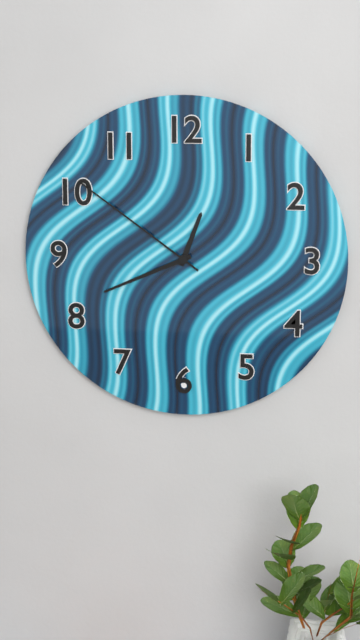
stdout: 12h41m51s
